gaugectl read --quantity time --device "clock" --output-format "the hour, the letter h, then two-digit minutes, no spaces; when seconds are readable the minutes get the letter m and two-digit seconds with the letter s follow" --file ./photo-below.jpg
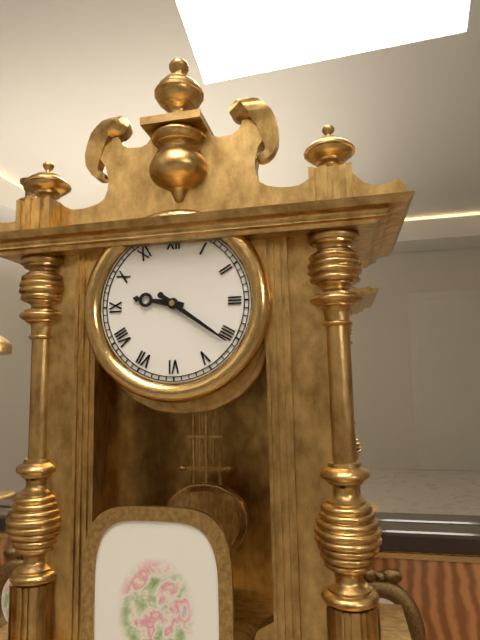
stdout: 9h21
